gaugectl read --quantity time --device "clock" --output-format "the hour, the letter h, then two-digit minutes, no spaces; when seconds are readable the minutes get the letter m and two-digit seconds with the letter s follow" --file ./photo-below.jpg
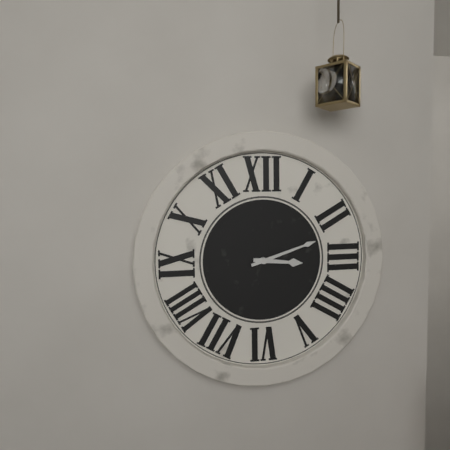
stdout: 3h12
